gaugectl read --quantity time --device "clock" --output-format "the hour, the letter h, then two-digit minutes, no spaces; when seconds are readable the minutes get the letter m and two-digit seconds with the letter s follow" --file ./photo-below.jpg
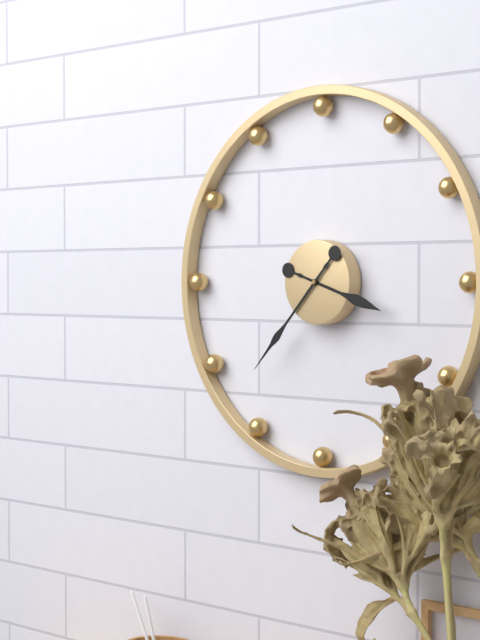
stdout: 3h37
